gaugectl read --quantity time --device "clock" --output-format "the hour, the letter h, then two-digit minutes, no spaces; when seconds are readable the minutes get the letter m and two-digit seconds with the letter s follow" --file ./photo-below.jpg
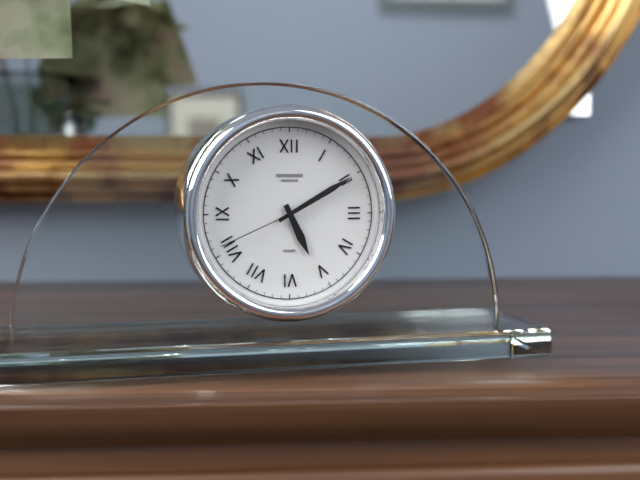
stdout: 5h10m41s
